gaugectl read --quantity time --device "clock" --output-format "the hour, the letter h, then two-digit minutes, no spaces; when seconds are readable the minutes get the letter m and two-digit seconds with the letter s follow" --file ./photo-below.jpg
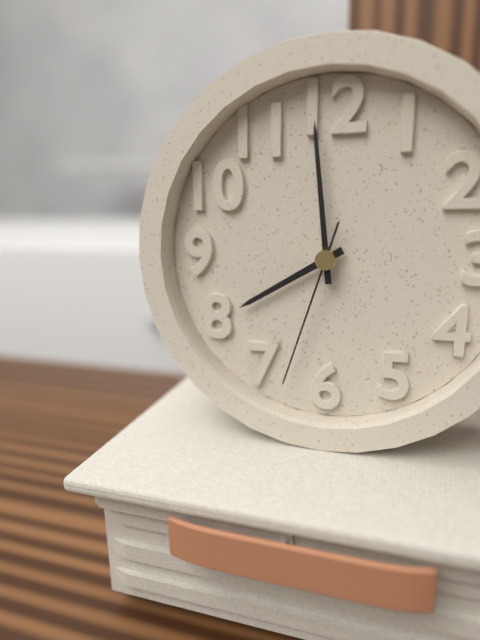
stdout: 7h59m33s
